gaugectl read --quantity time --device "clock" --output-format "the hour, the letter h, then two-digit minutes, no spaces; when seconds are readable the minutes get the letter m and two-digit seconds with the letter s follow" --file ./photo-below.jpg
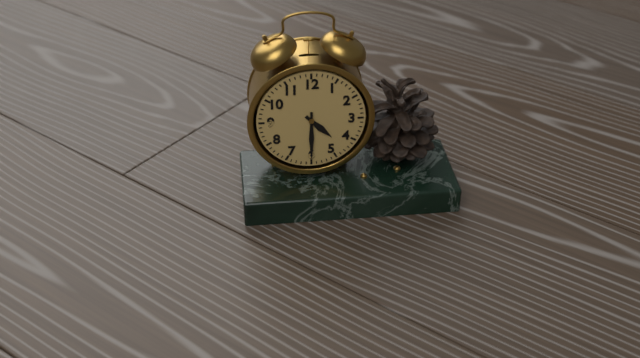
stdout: 4h30
